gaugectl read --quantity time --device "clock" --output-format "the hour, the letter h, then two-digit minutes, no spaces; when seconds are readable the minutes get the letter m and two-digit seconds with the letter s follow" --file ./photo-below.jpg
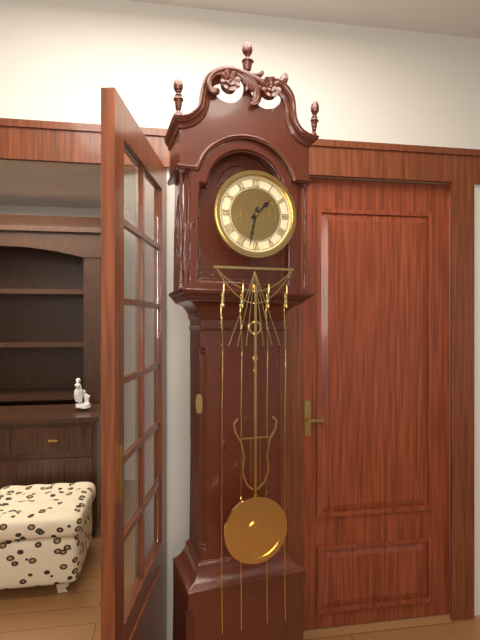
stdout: 1h32
